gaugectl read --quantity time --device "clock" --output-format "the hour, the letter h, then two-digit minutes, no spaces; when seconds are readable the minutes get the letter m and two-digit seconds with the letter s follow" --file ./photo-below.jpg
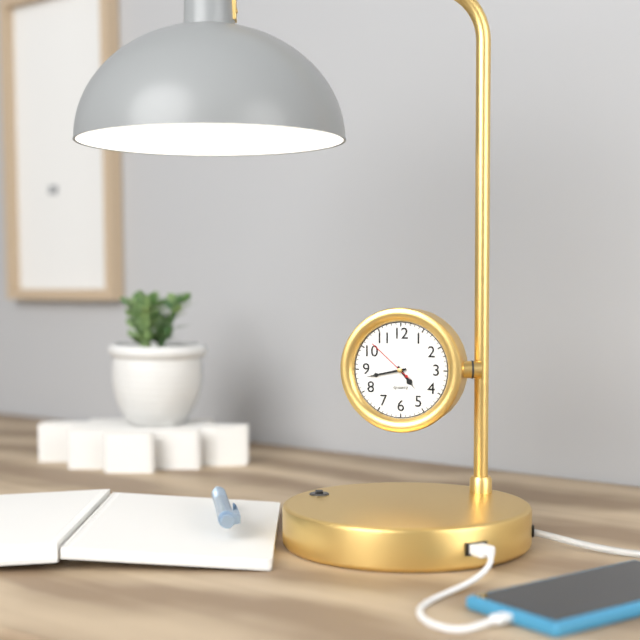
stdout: 4h43
